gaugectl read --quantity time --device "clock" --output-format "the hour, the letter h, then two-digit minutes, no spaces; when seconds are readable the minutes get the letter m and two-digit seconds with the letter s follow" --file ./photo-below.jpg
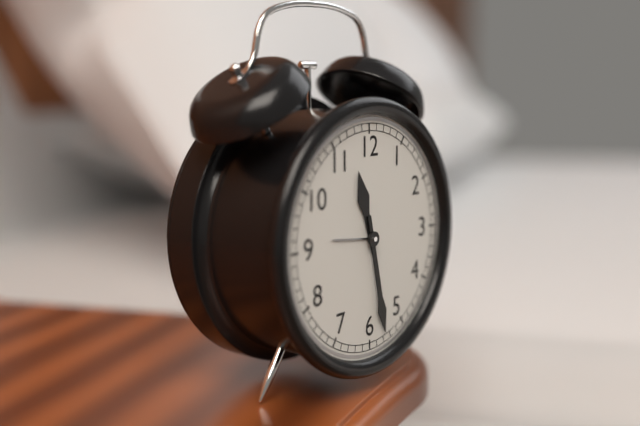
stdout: 11h28
